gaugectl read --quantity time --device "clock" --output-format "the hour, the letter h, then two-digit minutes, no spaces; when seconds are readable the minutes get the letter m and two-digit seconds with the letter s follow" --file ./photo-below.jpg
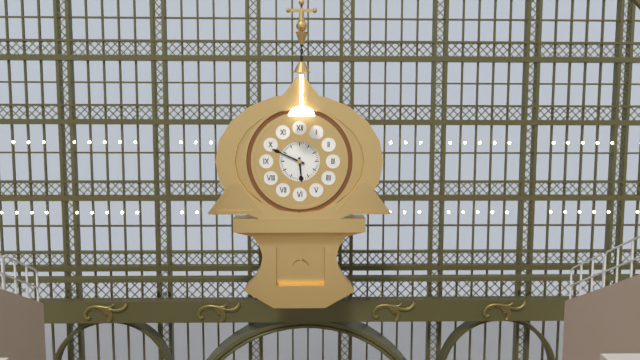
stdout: 5h49
